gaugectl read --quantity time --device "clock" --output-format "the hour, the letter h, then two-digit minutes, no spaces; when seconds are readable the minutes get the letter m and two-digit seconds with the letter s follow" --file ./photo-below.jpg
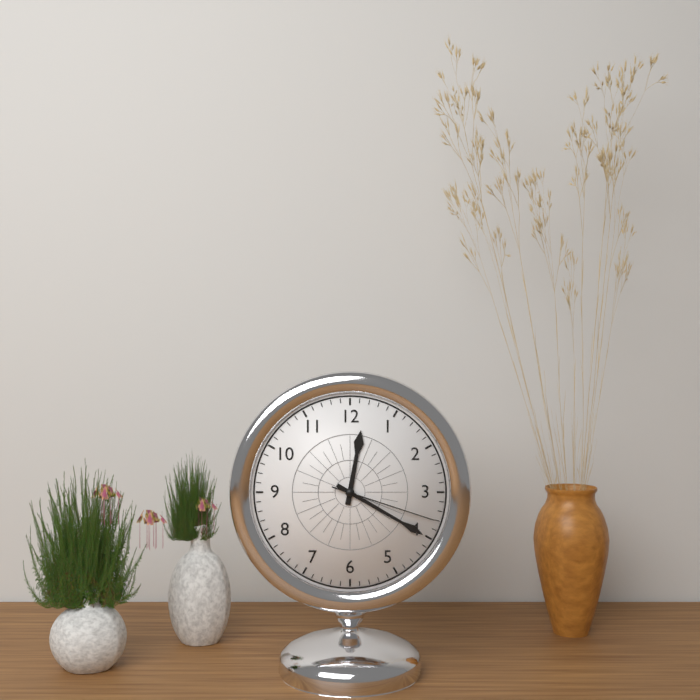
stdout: 12h20m18s
